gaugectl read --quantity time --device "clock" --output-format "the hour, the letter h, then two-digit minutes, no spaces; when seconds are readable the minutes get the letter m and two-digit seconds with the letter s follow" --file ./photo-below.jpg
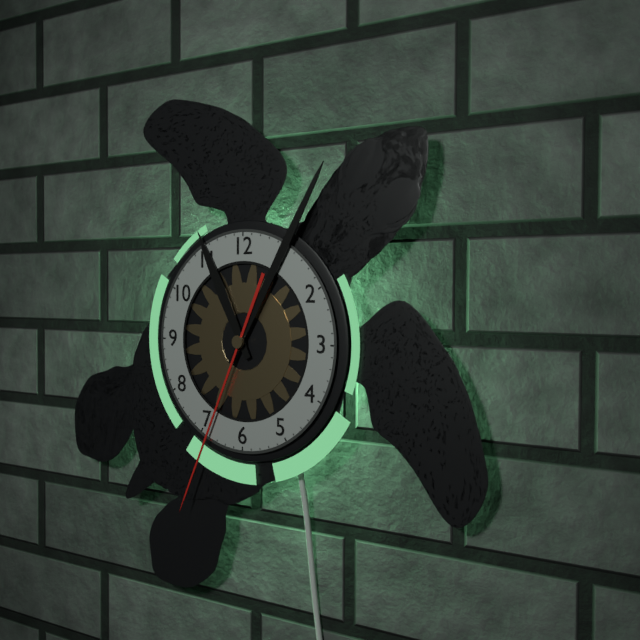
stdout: 11h05m34s
